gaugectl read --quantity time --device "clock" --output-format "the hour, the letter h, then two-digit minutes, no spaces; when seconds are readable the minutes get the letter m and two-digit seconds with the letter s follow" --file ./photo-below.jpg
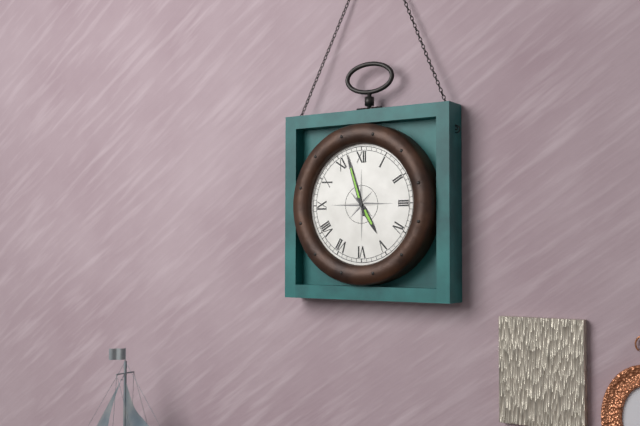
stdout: 4h57
